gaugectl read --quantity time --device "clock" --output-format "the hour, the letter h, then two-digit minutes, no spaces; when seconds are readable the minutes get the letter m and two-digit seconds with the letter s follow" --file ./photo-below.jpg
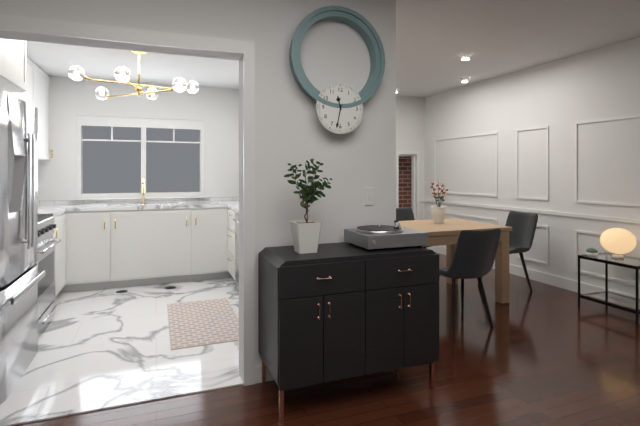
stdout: 11h32
